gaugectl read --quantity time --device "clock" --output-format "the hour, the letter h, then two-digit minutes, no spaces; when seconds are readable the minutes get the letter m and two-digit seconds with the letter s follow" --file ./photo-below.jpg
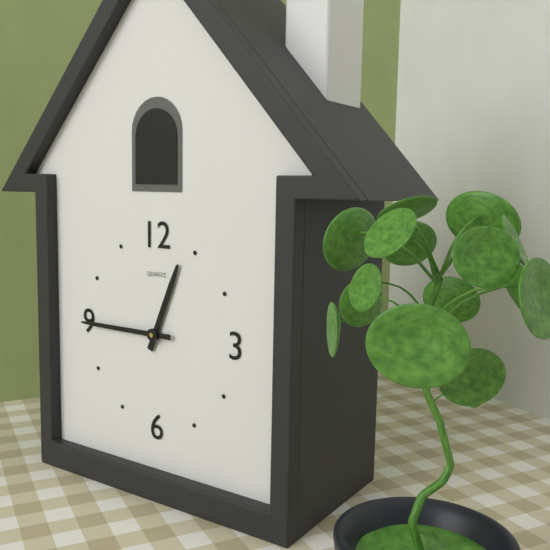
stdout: 12h45
